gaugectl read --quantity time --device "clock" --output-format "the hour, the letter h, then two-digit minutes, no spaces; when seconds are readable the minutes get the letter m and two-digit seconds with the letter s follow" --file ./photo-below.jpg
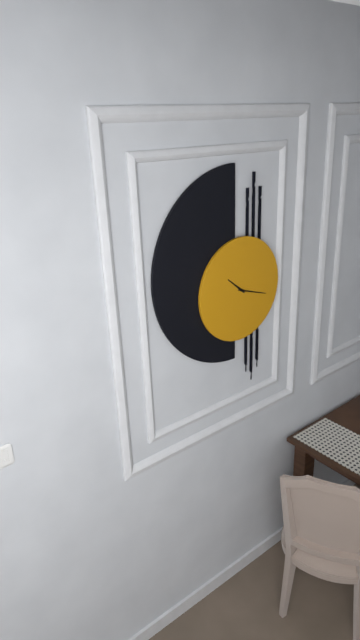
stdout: 10h18
